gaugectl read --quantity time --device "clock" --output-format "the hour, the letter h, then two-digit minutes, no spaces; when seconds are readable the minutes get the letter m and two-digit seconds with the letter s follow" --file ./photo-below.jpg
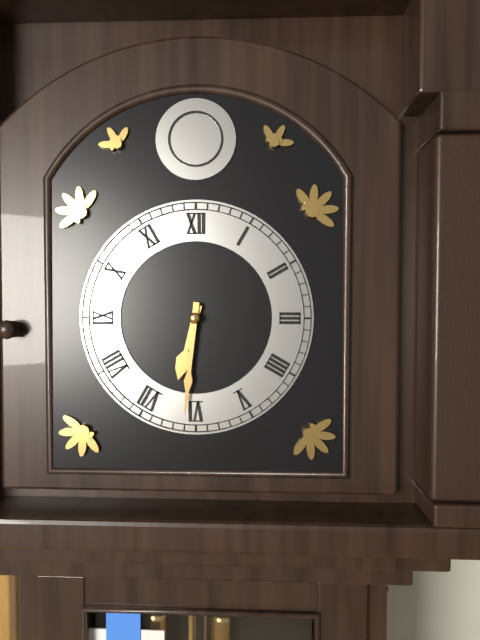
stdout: 6h31
